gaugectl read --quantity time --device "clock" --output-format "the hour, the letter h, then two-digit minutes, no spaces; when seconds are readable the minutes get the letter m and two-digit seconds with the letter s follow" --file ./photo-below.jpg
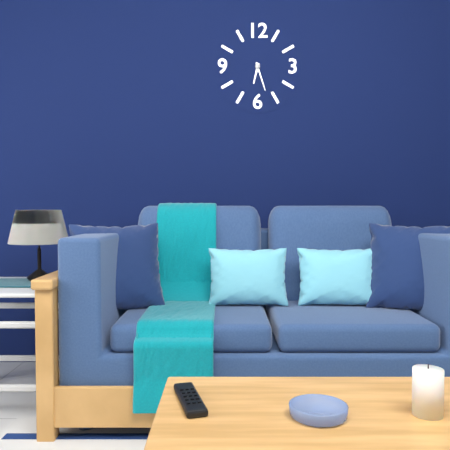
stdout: 6h27
